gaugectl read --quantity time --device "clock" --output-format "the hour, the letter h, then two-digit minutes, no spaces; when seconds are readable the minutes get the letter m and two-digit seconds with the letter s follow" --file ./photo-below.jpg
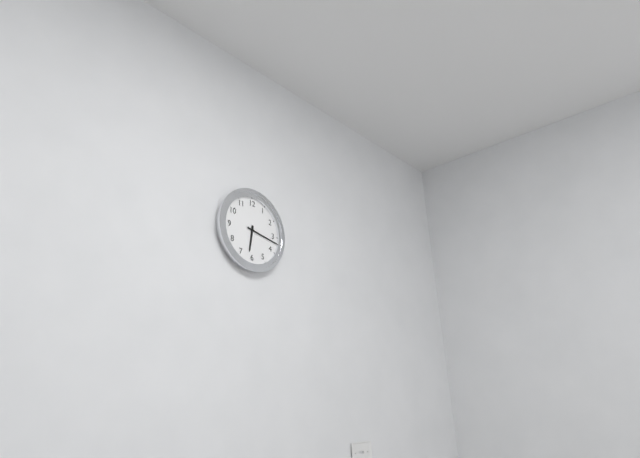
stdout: 6h17
